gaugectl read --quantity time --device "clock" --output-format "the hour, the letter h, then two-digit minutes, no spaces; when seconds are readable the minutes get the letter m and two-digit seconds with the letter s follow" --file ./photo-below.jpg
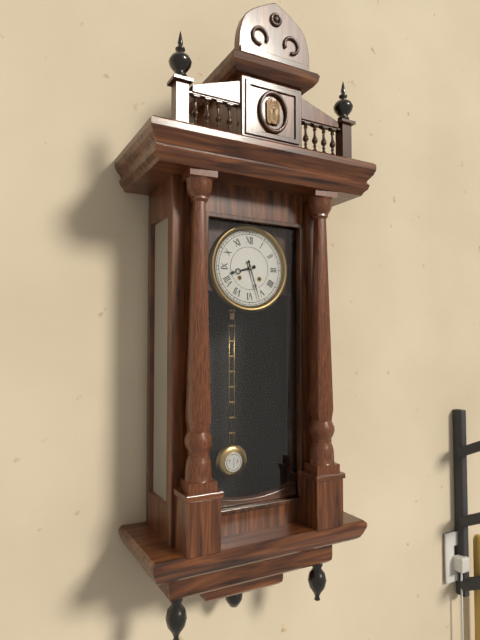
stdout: 8h27
